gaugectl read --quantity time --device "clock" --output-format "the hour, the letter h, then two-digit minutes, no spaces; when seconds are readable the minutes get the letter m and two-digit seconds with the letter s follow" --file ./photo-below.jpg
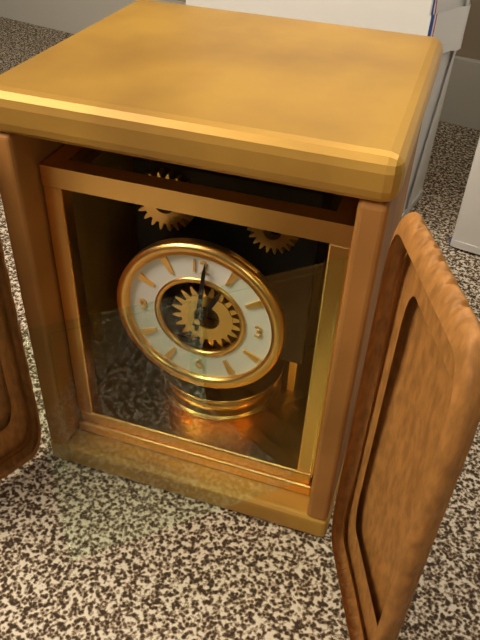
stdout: 1h01
